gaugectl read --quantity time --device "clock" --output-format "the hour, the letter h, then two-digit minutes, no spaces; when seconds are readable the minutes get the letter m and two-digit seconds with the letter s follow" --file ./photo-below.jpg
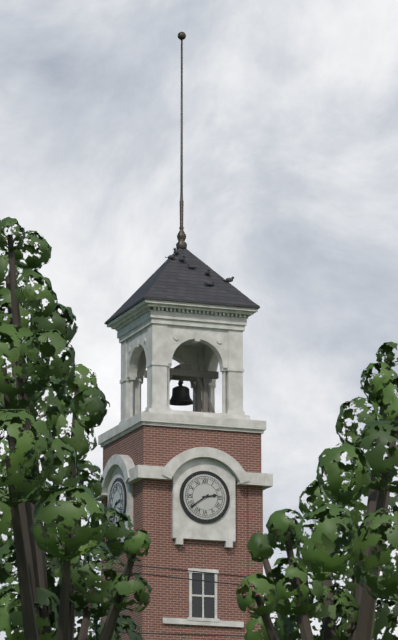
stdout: 2h39
